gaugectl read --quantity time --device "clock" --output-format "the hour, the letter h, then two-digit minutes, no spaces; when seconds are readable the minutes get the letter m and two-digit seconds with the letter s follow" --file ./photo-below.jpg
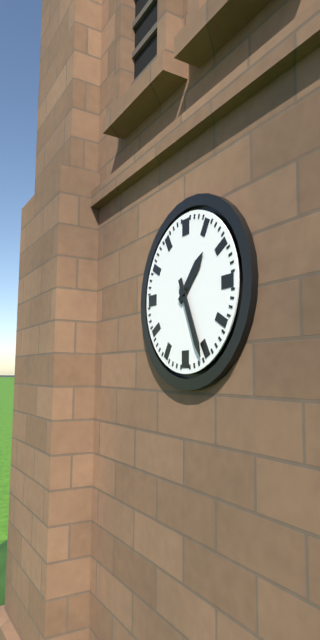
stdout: 1h26
